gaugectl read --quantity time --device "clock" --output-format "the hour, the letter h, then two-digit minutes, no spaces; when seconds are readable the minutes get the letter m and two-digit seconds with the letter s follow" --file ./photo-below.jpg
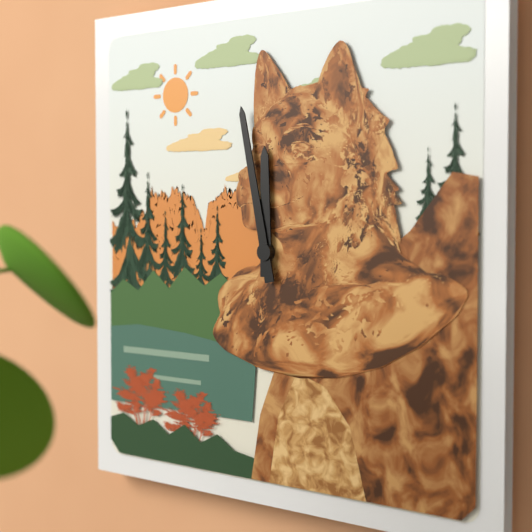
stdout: 11h58
